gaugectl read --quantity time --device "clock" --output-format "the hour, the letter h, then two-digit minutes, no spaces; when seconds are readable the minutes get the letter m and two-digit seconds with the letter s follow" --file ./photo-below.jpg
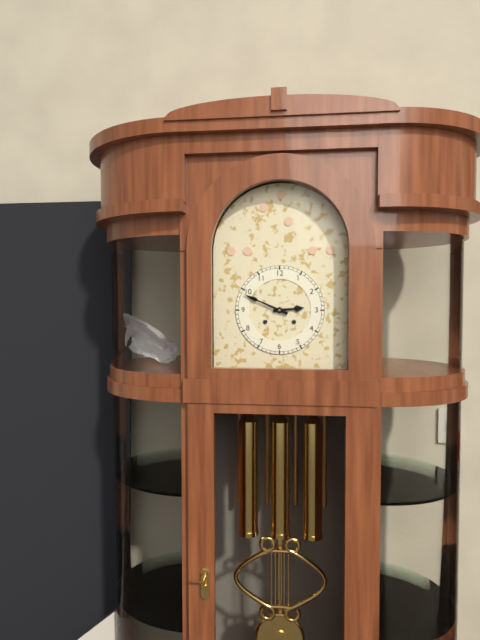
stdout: 2h49
